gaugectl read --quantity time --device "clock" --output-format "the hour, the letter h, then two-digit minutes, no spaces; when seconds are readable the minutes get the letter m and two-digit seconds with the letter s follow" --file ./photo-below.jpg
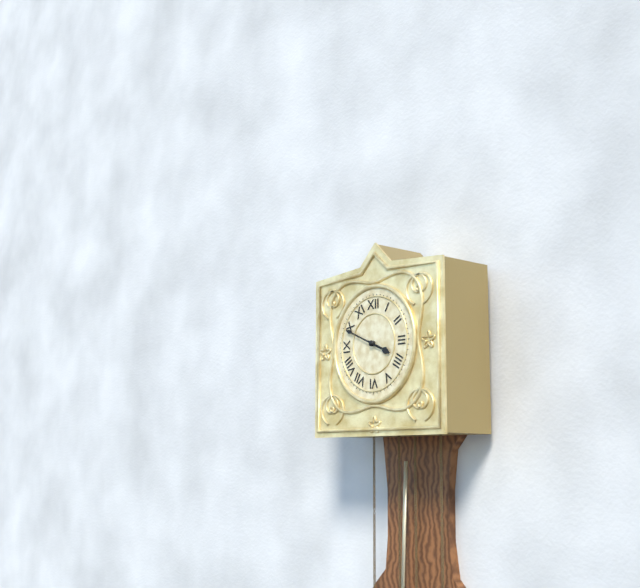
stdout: 3h49
